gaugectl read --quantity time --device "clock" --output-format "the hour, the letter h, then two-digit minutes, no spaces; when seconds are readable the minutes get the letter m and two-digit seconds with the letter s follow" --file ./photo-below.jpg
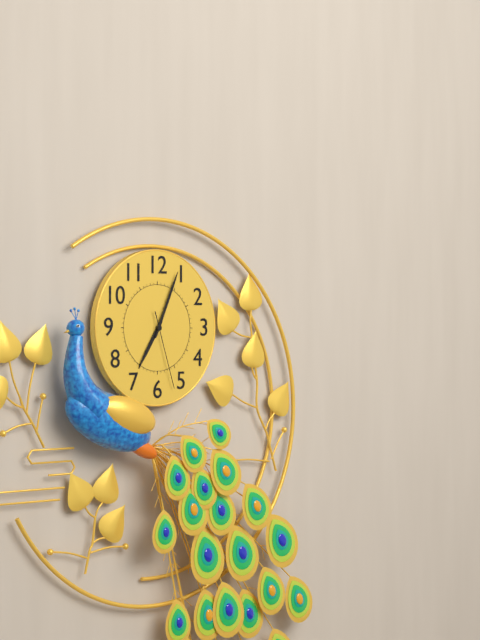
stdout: 7h04m27s
